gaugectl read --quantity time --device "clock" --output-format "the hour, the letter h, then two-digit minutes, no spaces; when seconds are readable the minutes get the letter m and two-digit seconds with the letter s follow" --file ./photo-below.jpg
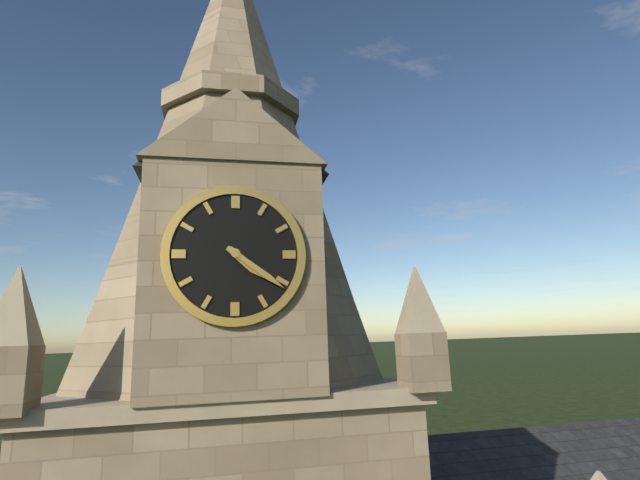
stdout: 4h21
